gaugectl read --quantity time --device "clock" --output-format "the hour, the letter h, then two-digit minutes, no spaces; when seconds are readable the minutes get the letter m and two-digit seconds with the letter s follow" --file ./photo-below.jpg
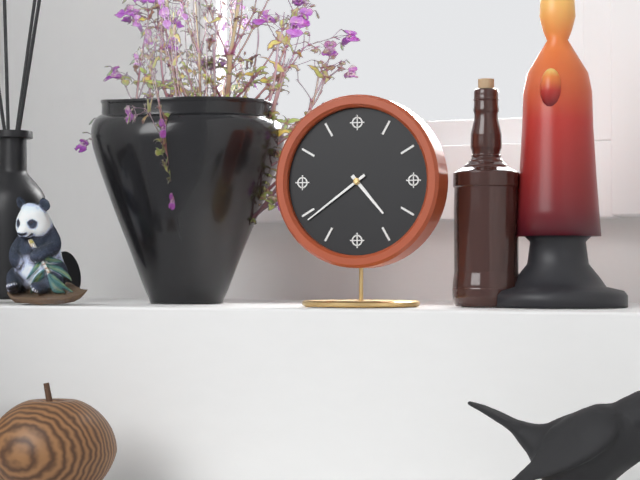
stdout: 4h39
